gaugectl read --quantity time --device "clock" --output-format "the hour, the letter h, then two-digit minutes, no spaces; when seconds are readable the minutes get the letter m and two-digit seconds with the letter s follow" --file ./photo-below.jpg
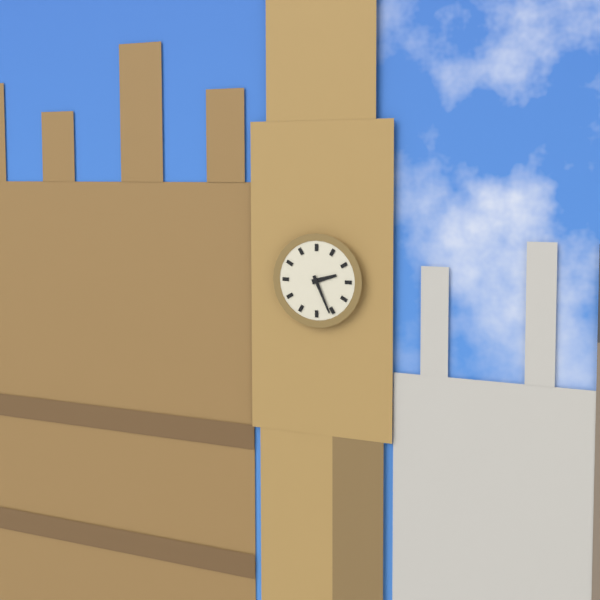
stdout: 2h26
